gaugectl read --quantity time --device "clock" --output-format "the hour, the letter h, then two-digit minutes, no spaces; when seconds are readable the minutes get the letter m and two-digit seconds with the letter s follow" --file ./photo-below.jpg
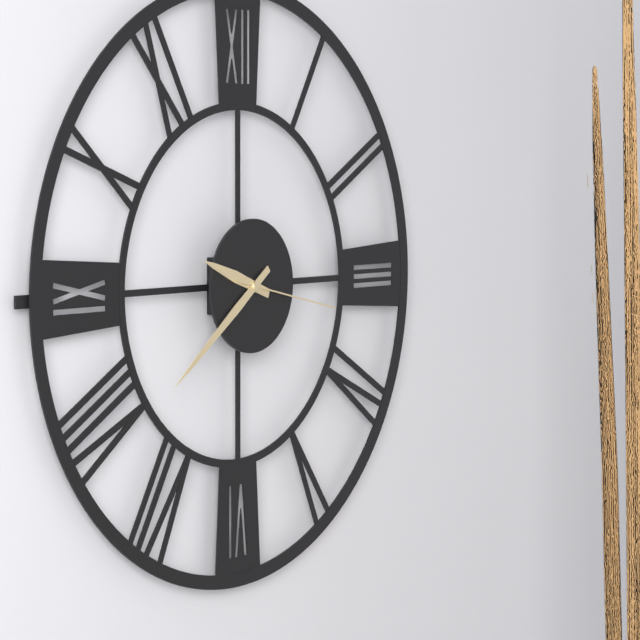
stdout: 9h39m17s
